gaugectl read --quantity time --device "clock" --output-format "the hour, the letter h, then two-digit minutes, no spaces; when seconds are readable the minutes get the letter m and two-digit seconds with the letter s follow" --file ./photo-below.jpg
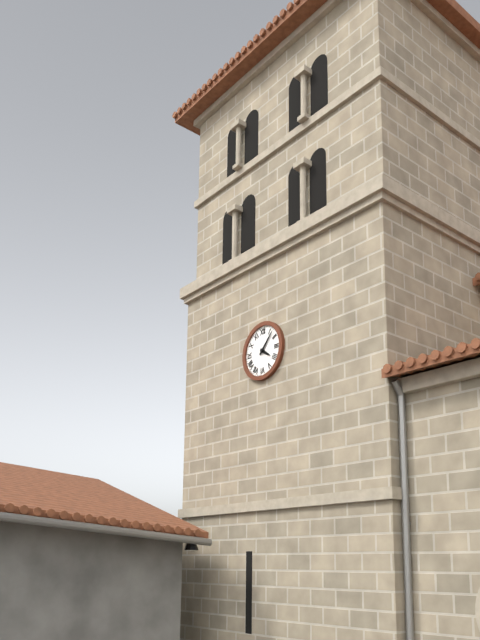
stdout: 4h07
